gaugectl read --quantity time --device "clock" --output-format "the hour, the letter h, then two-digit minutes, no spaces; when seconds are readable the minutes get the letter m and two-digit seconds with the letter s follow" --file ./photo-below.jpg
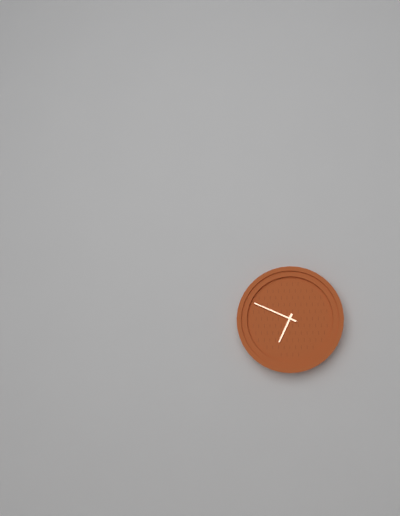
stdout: 6h49
